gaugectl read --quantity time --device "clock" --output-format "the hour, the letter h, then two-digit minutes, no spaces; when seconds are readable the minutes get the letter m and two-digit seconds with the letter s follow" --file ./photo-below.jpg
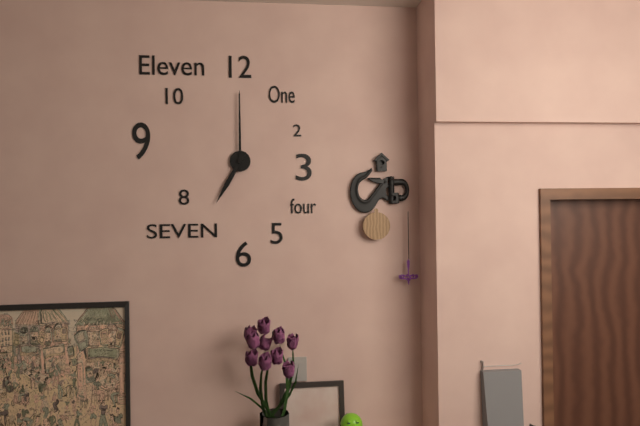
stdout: 7h00
